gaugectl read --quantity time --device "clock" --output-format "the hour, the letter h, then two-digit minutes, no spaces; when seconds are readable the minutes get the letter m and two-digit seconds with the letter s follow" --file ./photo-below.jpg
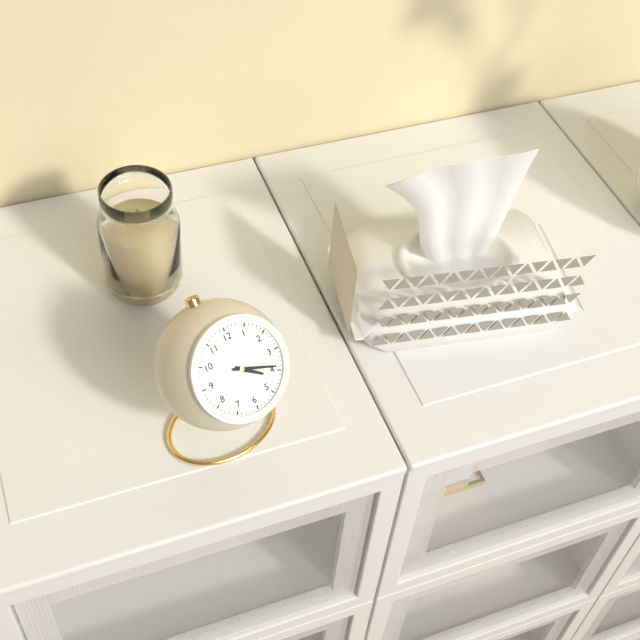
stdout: 4h19
